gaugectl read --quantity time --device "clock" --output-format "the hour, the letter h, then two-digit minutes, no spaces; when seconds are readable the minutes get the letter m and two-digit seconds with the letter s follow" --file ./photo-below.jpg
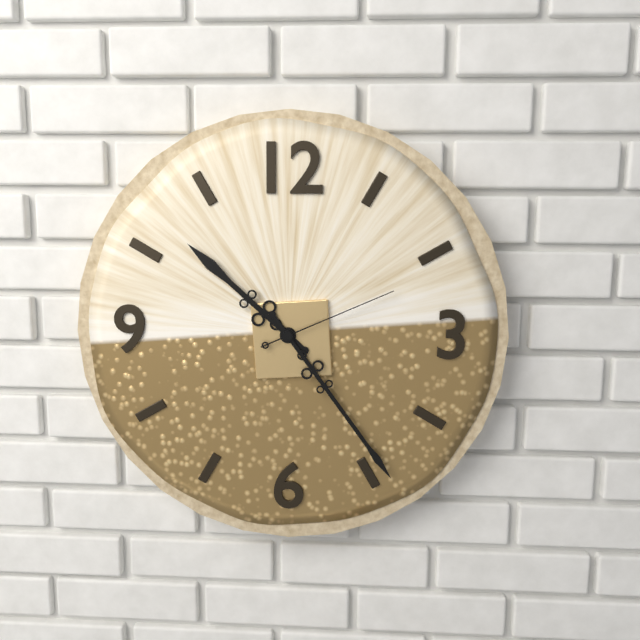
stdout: 10h24m11s
